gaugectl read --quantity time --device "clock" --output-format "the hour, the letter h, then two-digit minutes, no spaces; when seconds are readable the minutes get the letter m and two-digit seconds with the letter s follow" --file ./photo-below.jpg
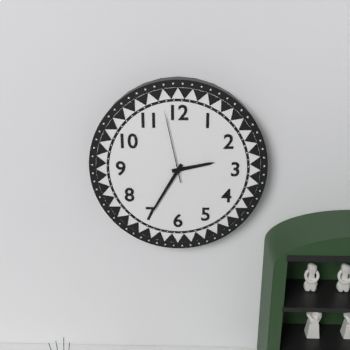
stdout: 2h35m58s
